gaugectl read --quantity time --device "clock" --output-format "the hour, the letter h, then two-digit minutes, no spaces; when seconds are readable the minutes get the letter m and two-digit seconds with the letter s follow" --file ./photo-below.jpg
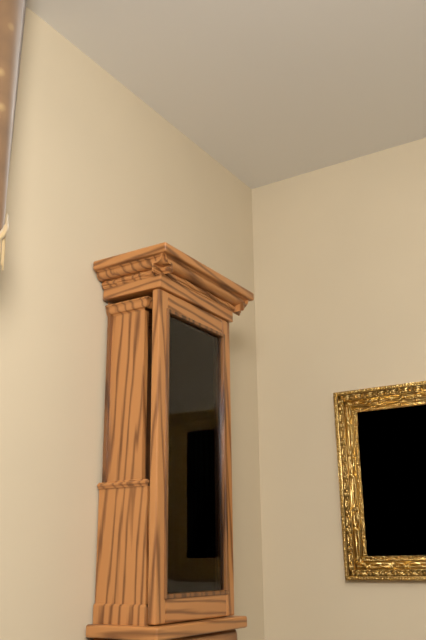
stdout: 7h22
